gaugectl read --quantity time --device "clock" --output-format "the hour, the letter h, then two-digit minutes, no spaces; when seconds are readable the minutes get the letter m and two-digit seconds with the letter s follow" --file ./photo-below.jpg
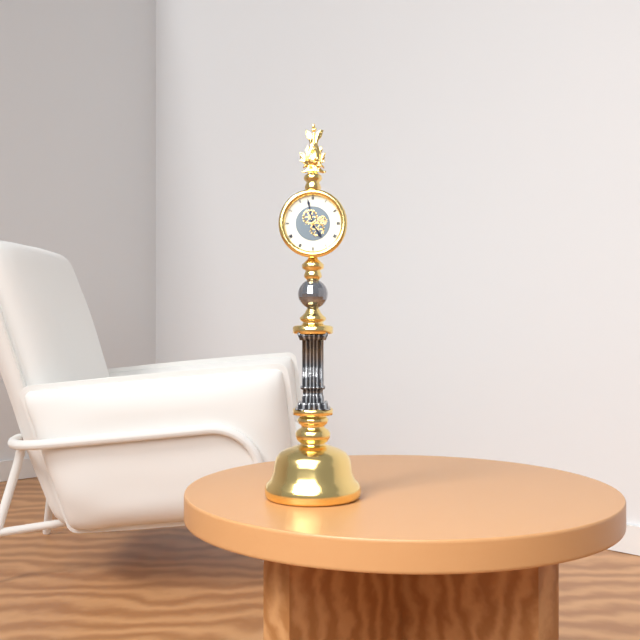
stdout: 4h58
